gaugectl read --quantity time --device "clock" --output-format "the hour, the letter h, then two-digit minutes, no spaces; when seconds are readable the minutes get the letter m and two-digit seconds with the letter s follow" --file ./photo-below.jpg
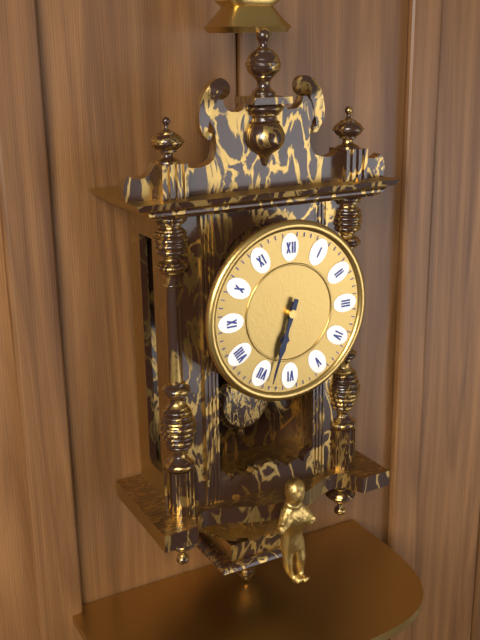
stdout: 6h33
